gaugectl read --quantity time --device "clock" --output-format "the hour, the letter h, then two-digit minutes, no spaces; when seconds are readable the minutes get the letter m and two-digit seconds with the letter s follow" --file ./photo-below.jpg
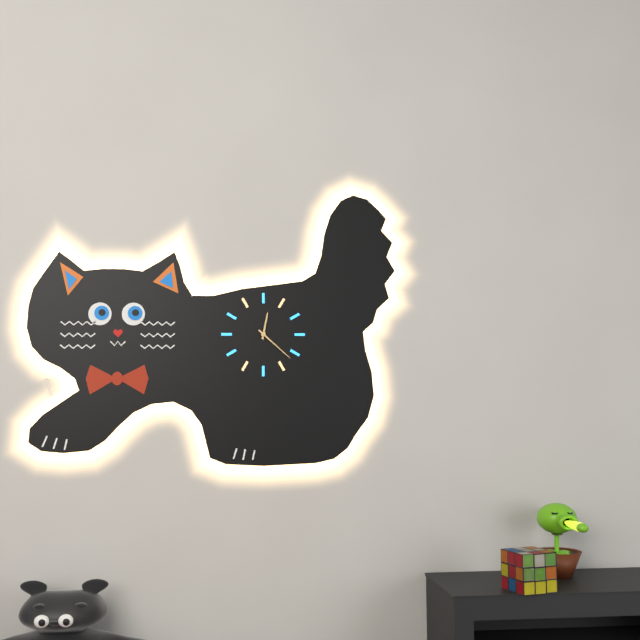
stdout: 12h22
